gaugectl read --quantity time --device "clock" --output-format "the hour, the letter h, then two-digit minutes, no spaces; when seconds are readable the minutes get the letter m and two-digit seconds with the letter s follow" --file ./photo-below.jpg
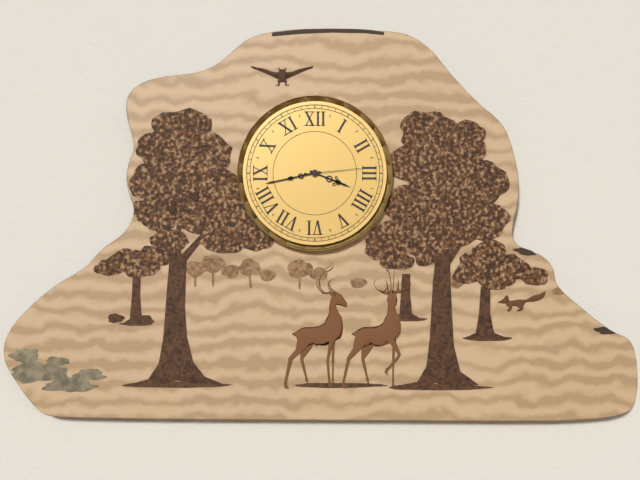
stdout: 3h43m14s
